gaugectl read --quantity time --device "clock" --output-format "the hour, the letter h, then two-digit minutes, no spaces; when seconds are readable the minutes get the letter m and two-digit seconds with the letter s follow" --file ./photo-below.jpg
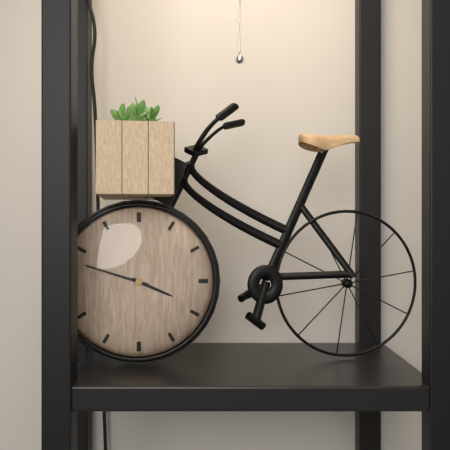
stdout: 3h48
